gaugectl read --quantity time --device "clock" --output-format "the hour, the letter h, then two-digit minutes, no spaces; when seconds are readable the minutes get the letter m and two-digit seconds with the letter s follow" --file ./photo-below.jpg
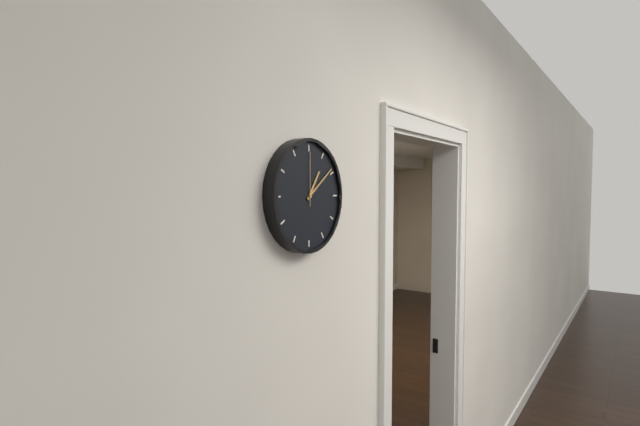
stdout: 1h09m00s
